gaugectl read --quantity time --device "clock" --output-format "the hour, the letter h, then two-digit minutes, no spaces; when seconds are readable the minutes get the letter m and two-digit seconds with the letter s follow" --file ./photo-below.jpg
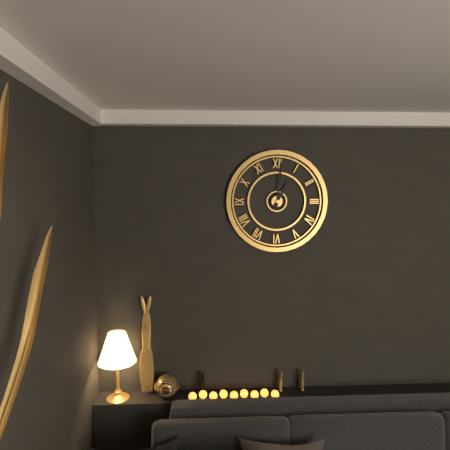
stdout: 1h01
